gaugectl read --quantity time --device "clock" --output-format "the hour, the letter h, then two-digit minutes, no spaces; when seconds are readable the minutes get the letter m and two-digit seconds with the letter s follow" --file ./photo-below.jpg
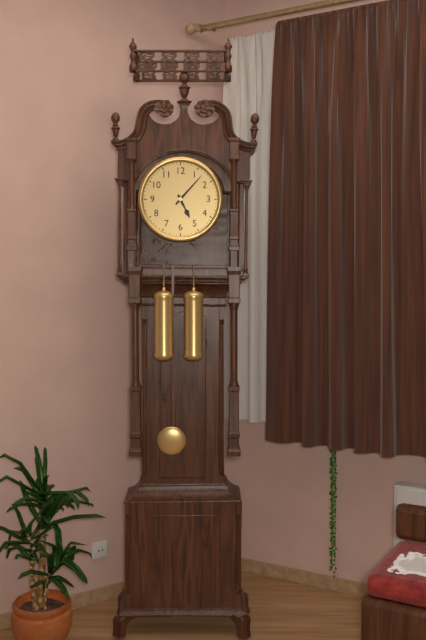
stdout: 5h07
